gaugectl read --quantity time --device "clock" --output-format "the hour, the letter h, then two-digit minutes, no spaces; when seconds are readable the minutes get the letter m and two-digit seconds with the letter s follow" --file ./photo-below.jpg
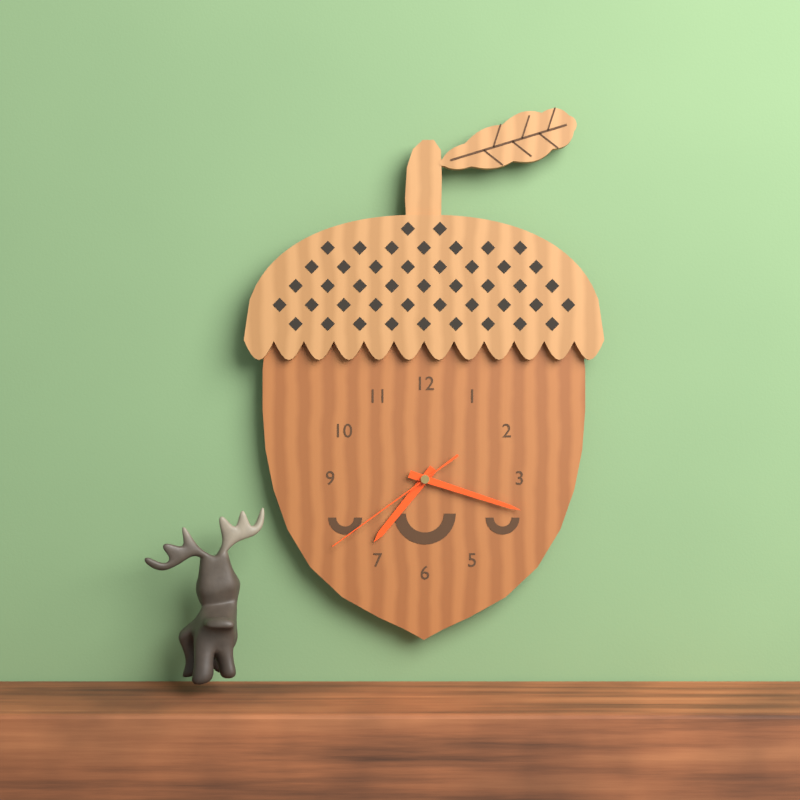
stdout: 7h18m39s
